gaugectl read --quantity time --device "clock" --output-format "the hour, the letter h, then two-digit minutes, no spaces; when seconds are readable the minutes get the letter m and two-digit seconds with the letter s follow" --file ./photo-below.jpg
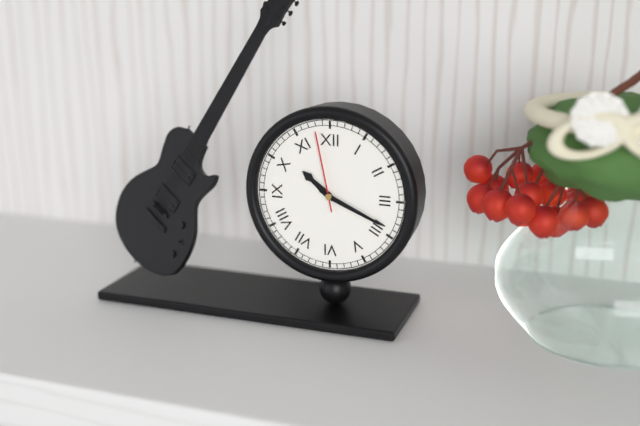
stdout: 10h19m58s
